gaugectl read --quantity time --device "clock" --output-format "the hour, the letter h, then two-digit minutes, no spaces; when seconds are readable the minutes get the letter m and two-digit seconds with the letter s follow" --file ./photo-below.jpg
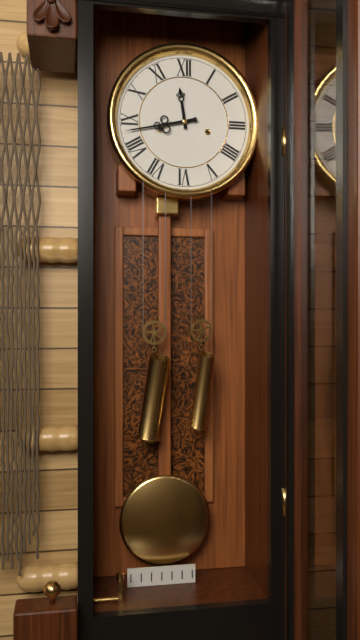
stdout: 11h43
